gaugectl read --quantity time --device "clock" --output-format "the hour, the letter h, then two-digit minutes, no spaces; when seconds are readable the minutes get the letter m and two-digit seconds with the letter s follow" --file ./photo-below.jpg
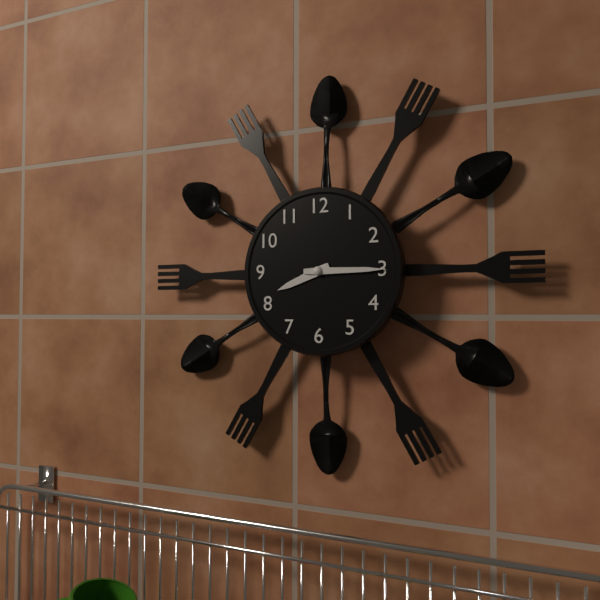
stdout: 8h15
